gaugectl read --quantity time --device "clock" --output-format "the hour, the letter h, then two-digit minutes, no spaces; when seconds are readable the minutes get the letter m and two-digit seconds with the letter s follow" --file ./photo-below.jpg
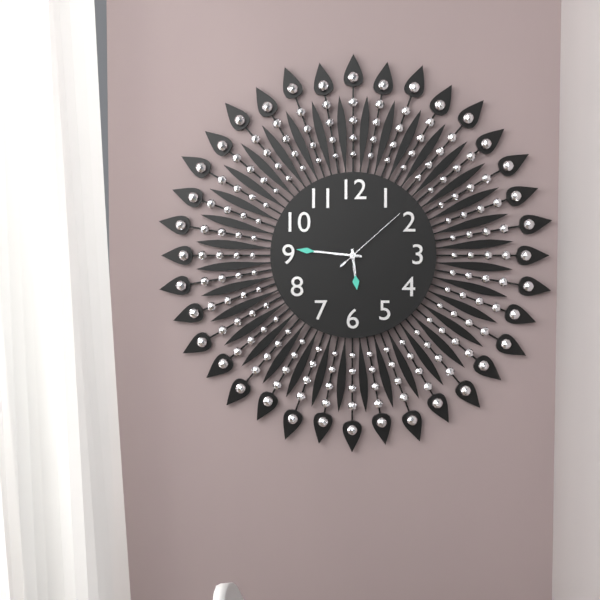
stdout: 5h46m08s
